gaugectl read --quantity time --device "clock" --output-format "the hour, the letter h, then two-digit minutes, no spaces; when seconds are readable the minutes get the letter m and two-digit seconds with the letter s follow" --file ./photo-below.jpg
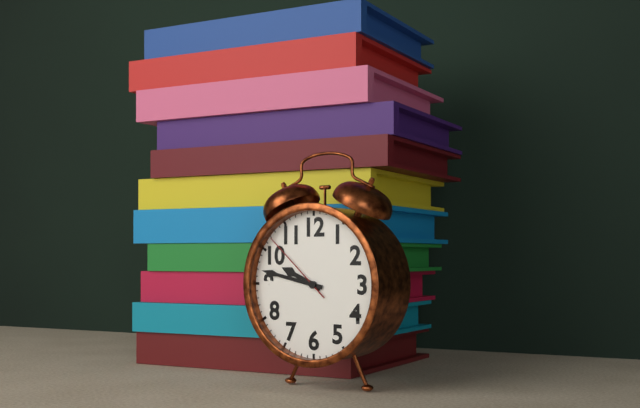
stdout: 9h47m52s
